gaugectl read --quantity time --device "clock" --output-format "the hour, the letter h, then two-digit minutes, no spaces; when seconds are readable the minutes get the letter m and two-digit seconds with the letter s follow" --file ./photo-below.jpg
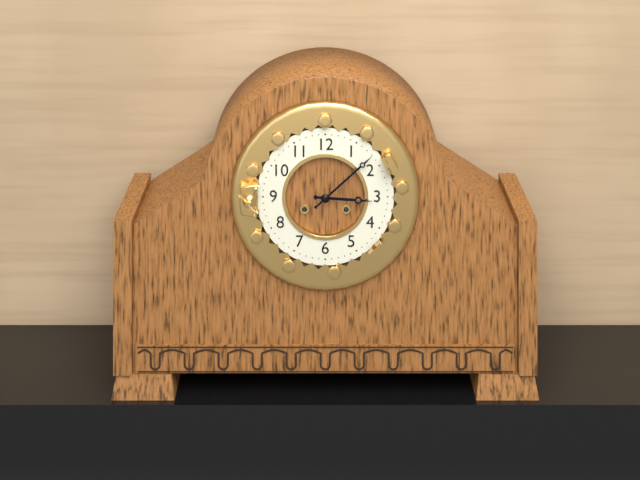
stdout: 3h08
